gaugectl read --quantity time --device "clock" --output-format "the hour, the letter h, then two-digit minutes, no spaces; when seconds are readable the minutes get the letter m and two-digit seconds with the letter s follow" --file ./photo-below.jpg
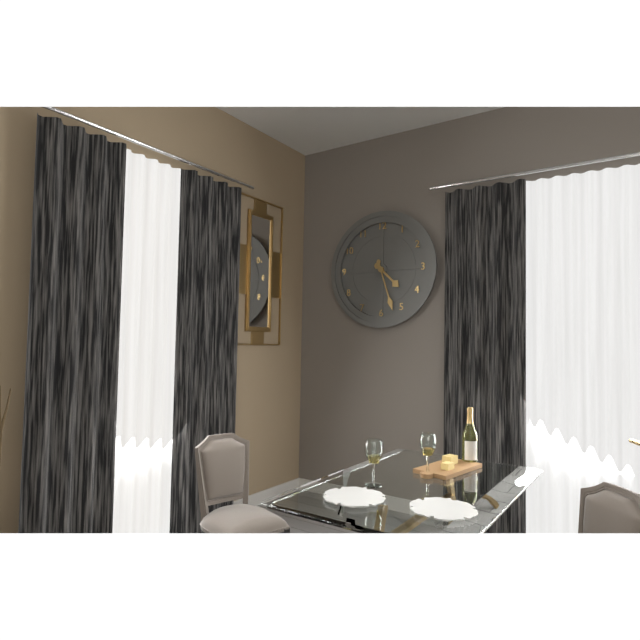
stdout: 4h27
